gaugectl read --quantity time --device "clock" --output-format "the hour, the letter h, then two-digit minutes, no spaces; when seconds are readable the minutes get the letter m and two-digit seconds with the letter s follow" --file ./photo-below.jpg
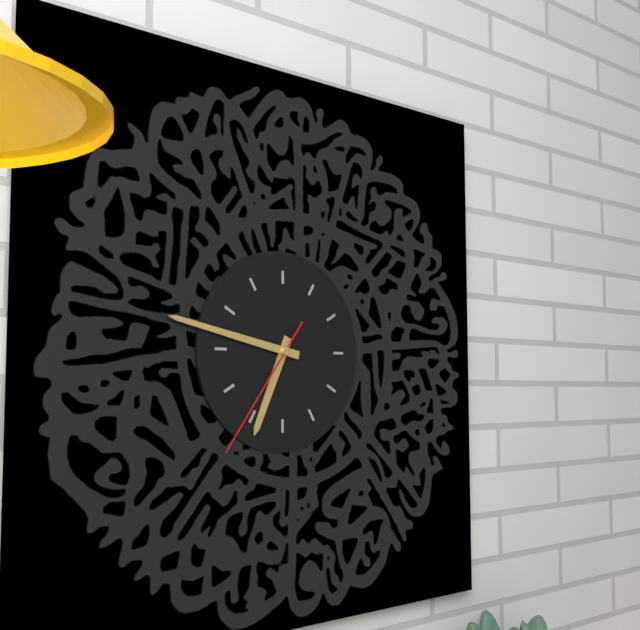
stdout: 6h47m36s
